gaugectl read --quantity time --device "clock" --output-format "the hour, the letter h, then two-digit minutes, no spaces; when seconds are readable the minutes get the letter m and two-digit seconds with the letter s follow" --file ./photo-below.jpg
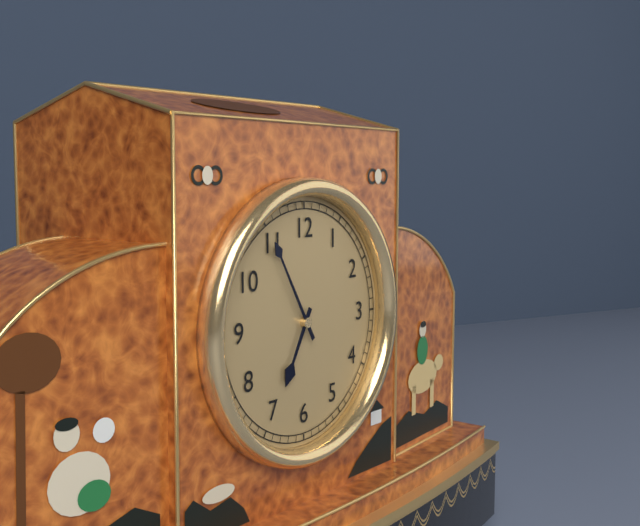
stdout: 6h55
